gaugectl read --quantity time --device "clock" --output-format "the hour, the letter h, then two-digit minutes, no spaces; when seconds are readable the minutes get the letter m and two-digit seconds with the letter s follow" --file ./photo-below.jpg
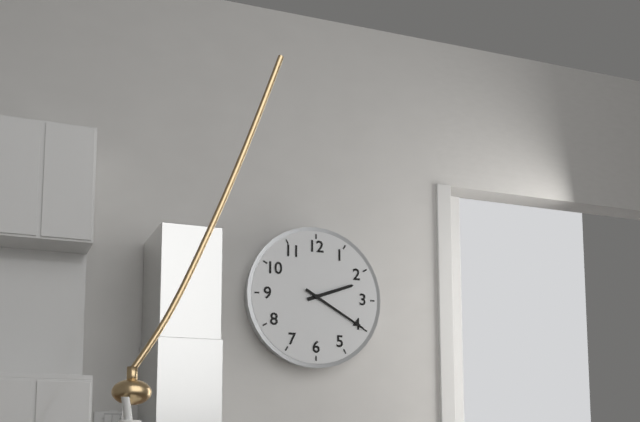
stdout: 2h20
